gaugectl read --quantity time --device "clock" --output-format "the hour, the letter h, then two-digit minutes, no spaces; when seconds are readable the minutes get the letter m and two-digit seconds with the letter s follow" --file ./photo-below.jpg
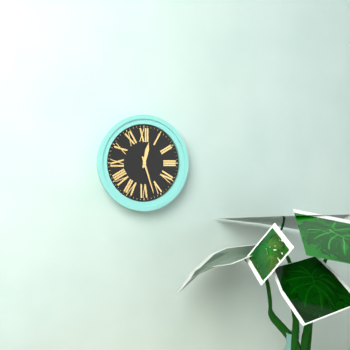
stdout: 12h27
